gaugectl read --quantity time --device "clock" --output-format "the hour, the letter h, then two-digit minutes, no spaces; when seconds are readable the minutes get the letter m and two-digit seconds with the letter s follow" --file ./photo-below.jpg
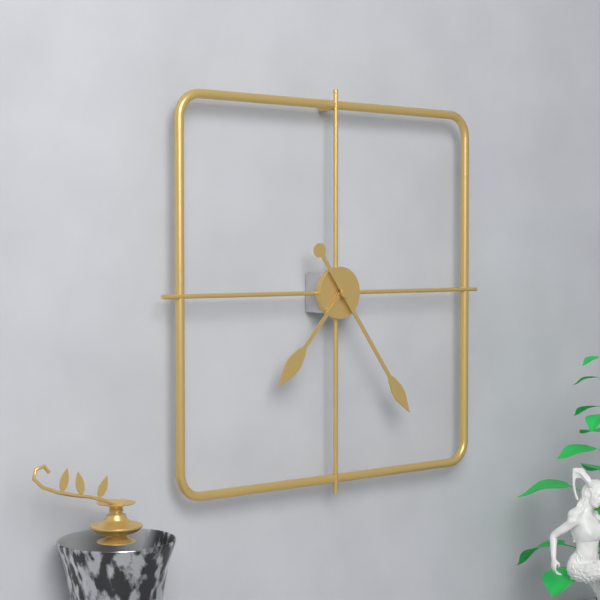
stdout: 7h24
